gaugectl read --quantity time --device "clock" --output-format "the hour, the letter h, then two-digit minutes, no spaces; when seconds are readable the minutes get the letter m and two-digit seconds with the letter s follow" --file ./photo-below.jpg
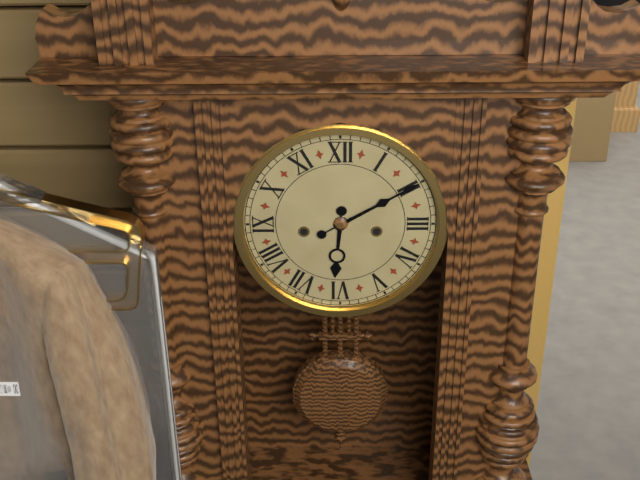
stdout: 6h10
